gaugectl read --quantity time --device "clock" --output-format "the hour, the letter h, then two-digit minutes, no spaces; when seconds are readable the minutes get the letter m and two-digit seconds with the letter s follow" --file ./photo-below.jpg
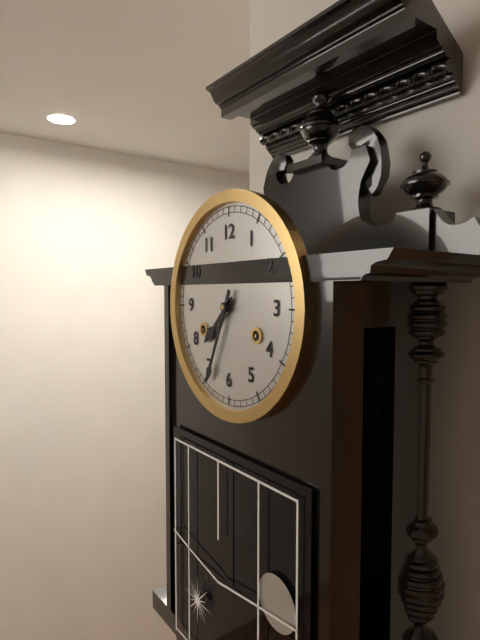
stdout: 7h34
